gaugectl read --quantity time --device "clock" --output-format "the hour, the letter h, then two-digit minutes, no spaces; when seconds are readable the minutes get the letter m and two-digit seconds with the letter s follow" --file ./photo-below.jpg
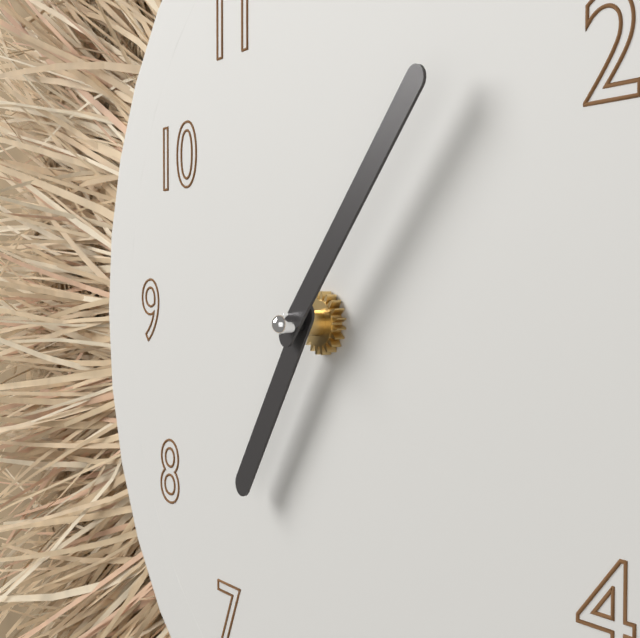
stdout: 7h07
